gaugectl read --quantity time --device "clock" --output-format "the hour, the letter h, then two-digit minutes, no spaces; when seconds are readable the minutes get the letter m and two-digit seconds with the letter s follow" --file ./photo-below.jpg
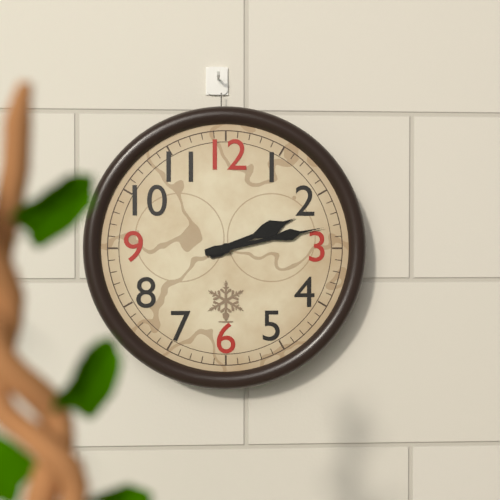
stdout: 2h13
